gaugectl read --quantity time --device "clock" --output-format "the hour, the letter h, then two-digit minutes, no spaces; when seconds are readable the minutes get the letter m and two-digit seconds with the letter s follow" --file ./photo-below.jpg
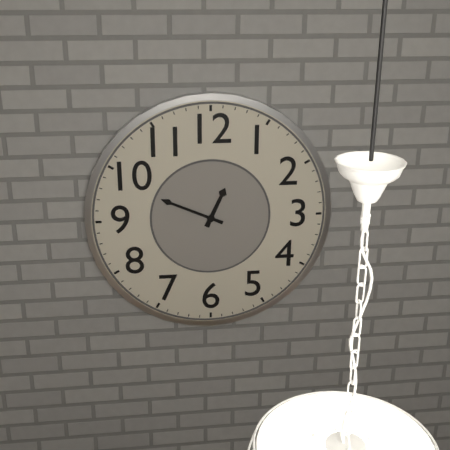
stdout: 12h49
